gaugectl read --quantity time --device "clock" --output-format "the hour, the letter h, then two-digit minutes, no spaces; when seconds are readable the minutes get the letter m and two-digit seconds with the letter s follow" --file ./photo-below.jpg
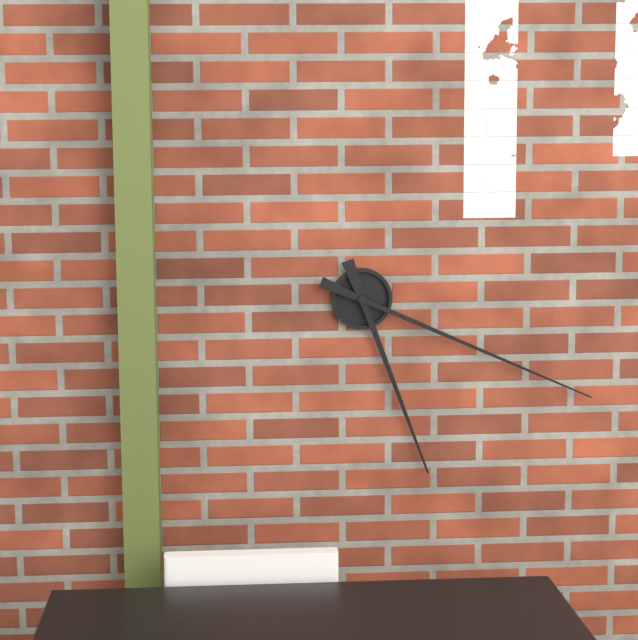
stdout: 5h19
